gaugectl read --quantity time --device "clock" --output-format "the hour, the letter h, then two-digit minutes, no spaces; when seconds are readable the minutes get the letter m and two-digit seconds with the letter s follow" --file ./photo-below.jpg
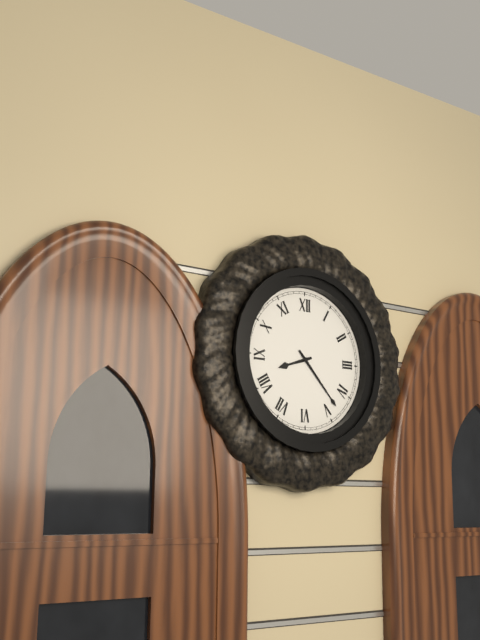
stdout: 8h23
